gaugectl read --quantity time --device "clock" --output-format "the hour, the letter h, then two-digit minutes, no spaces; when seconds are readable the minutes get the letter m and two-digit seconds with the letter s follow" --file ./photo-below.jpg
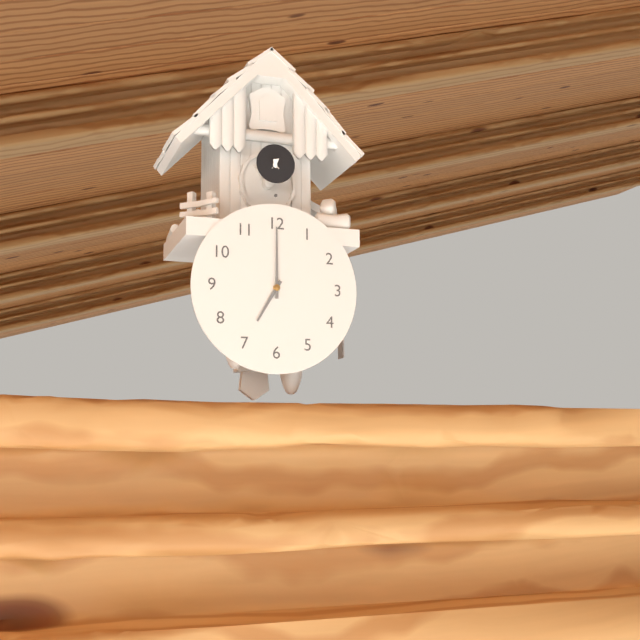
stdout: 7h00
